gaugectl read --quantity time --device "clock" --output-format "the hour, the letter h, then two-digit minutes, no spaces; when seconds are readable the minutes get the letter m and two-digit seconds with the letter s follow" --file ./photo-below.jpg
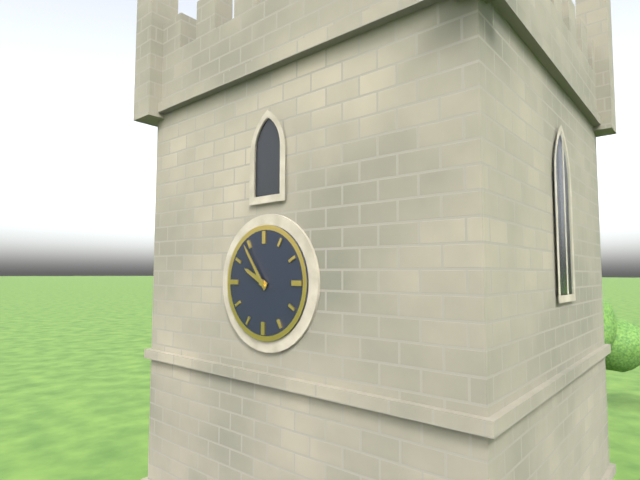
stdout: 9h54
